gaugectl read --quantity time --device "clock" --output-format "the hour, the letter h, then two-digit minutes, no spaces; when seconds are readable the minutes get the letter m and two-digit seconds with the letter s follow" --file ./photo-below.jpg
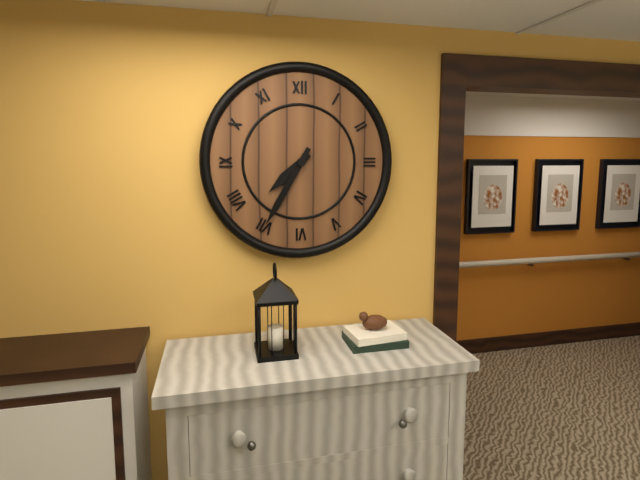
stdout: 7h35
